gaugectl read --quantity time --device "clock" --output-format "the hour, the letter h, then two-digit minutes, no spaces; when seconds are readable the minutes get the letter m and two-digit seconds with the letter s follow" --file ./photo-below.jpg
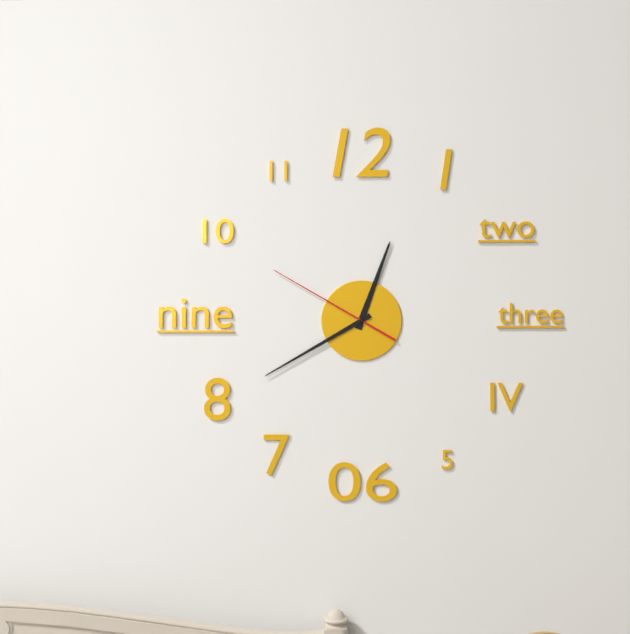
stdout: 12h40m50s
